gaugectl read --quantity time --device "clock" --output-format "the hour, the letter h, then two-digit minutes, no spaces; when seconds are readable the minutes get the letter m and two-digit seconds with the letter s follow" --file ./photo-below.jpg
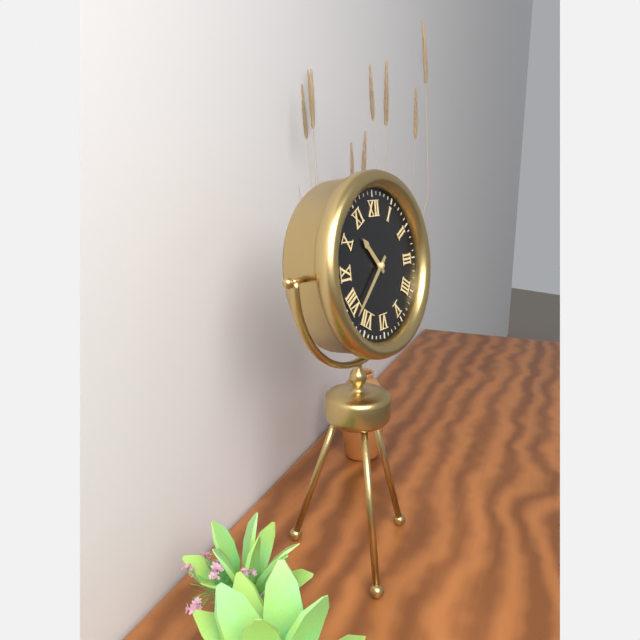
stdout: 10h38
